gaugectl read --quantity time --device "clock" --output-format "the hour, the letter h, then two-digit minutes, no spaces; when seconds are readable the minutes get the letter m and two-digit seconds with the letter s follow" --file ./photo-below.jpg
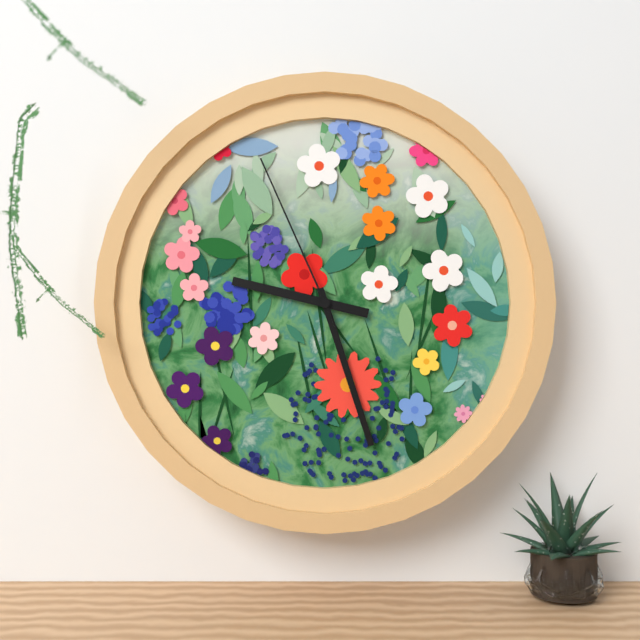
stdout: 9h27m56s
